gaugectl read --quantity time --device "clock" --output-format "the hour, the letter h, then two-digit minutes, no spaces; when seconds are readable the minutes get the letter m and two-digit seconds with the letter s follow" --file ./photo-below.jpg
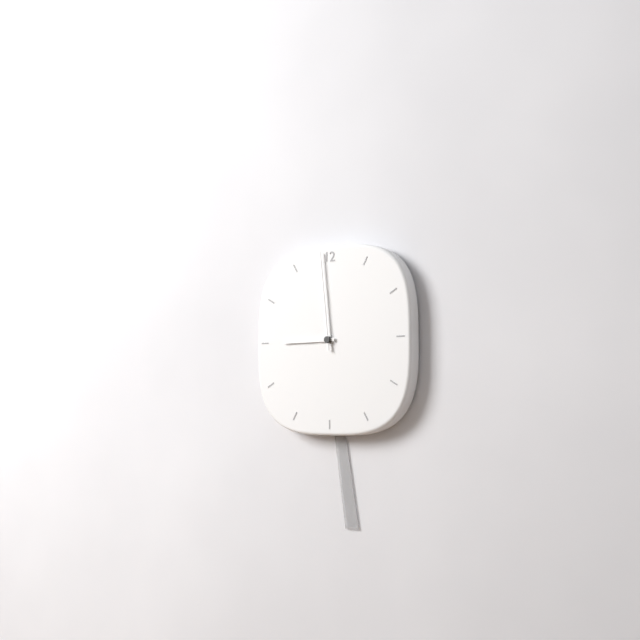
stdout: 8h59
